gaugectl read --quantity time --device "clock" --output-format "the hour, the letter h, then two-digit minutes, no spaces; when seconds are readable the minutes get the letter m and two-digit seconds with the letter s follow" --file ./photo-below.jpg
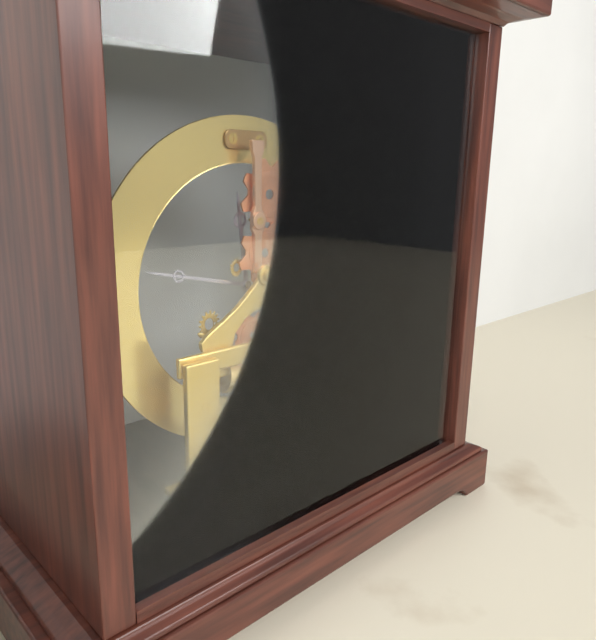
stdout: 11h47
